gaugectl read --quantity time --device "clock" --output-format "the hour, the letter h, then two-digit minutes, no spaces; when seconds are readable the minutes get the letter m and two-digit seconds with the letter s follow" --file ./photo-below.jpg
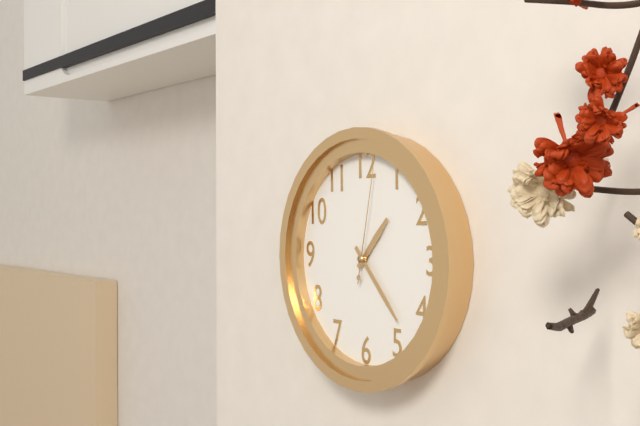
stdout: 1h23m02s
